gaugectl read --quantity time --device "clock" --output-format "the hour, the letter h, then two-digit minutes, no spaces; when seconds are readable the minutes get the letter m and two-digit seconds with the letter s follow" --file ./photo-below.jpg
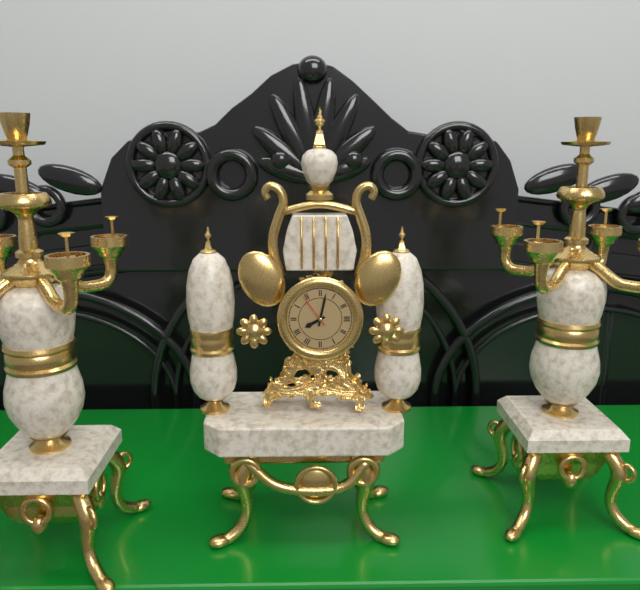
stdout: 8h02
